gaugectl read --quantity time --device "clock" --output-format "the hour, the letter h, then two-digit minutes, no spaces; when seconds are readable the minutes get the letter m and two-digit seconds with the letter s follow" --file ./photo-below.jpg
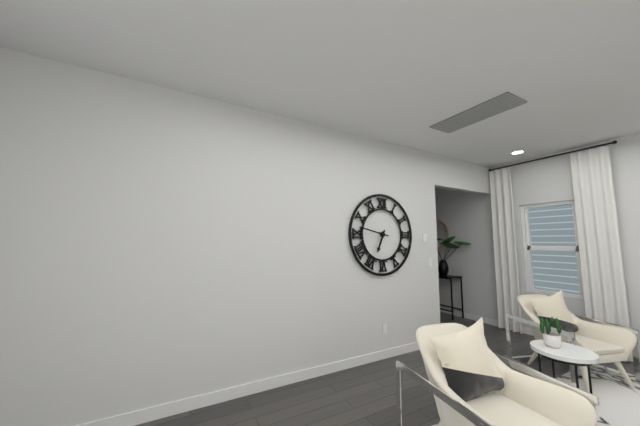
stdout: 6h47
